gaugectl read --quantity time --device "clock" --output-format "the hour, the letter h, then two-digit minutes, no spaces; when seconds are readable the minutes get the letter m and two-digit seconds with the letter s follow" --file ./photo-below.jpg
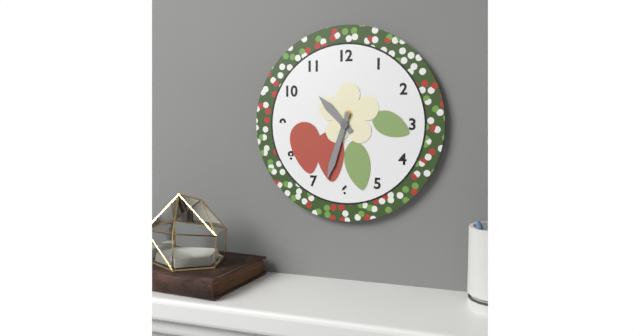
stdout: 10h33
